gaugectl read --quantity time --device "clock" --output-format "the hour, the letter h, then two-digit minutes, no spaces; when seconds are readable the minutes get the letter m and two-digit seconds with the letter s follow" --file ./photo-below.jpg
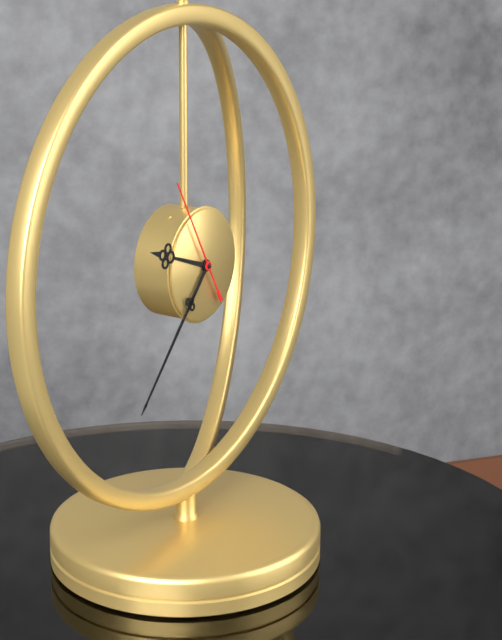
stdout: 9h37m55s
